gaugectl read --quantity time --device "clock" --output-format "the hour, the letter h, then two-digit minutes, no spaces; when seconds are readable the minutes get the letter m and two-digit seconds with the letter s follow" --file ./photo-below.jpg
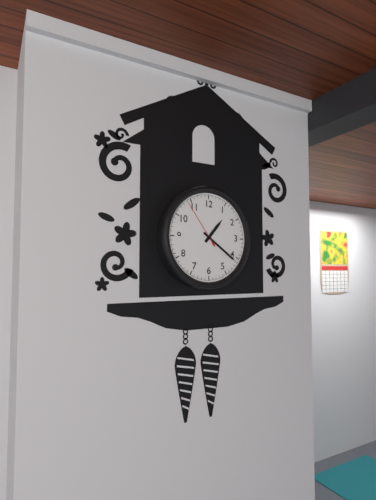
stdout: 1h21m54s
